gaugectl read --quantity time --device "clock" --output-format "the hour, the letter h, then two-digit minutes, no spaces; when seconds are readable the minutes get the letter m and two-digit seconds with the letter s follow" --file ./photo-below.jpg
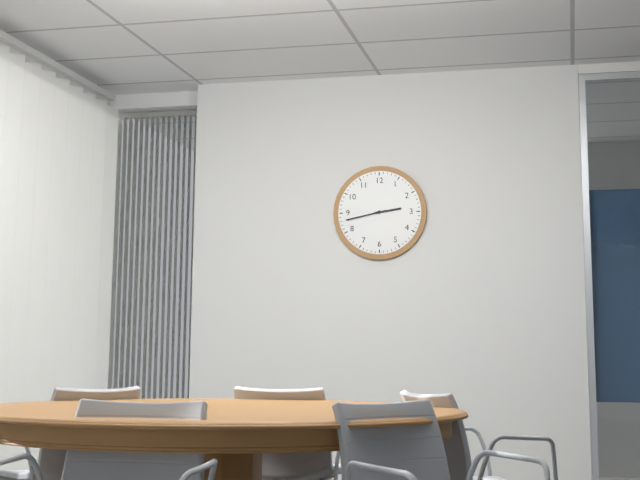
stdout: 2h43
